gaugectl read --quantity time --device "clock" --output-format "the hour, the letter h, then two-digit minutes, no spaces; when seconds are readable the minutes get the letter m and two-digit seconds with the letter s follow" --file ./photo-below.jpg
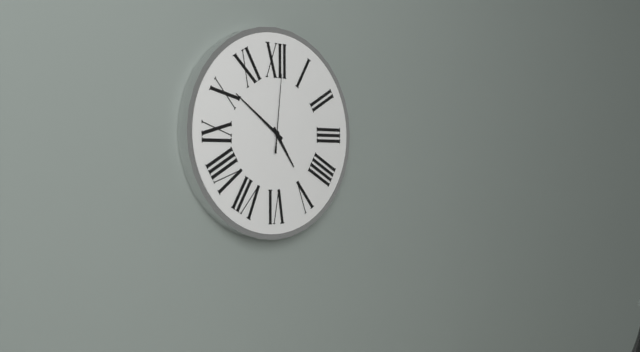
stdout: 4h51m01s
